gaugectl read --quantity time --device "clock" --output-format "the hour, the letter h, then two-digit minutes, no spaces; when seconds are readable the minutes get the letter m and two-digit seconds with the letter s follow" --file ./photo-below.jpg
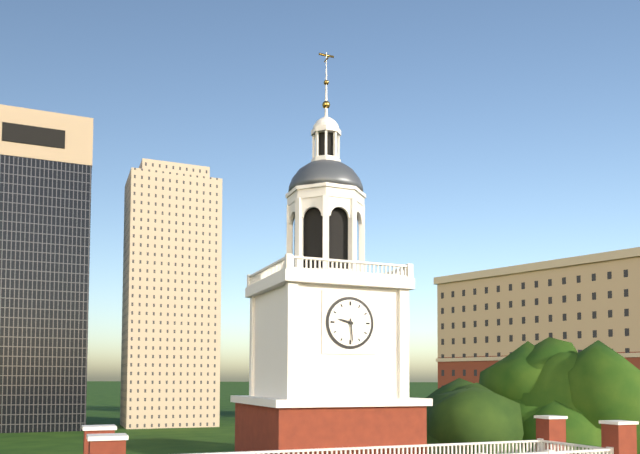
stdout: 9h29
